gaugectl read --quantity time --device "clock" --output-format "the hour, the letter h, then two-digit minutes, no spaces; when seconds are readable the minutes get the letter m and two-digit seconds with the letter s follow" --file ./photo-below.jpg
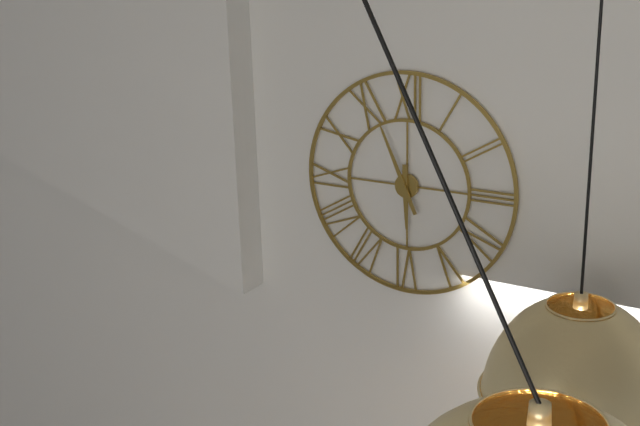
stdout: 5h56
